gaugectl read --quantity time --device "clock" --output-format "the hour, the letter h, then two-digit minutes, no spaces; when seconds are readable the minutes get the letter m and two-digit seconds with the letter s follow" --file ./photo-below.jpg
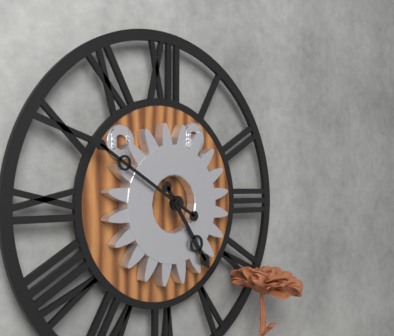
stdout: 4h50
